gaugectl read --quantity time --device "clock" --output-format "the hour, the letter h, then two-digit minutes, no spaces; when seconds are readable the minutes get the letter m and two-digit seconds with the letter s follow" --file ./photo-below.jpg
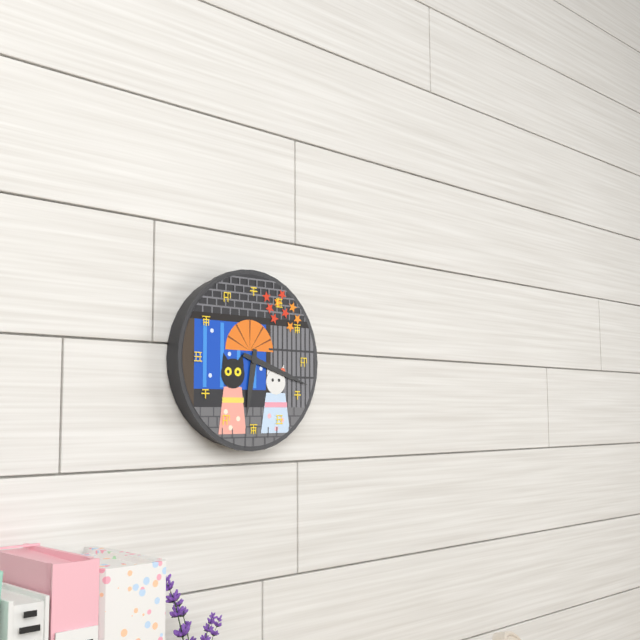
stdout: 6h18
